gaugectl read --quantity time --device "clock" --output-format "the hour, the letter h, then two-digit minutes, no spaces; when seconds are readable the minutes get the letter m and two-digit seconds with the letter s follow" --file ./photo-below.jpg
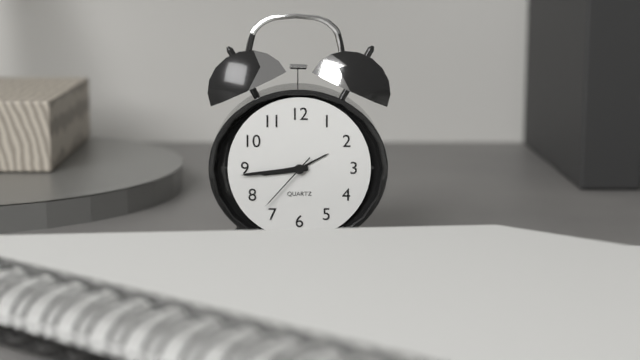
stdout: 8h44m37s
